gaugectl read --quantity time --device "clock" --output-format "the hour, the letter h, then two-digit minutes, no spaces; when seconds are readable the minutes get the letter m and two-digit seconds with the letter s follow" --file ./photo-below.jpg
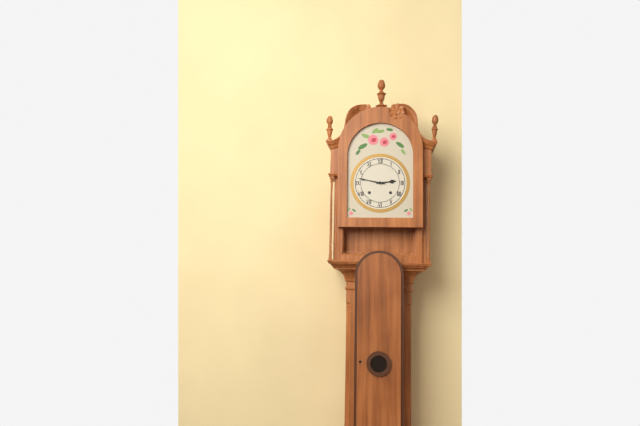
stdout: 2h47
